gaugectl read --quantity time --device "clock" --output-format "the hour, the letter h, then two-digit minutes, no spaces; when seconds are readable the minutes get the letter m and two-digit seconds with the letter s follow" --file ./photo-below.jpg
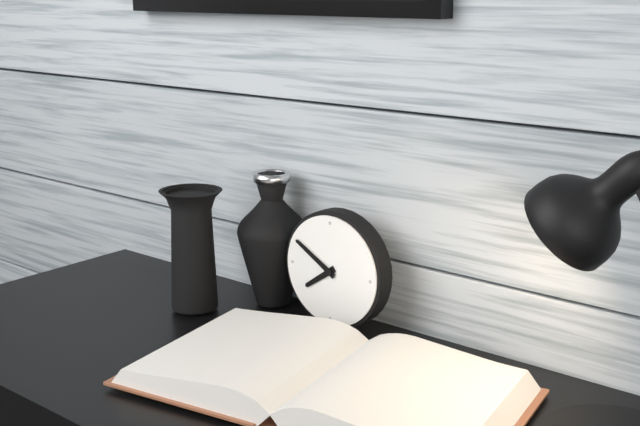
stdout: 7h50
